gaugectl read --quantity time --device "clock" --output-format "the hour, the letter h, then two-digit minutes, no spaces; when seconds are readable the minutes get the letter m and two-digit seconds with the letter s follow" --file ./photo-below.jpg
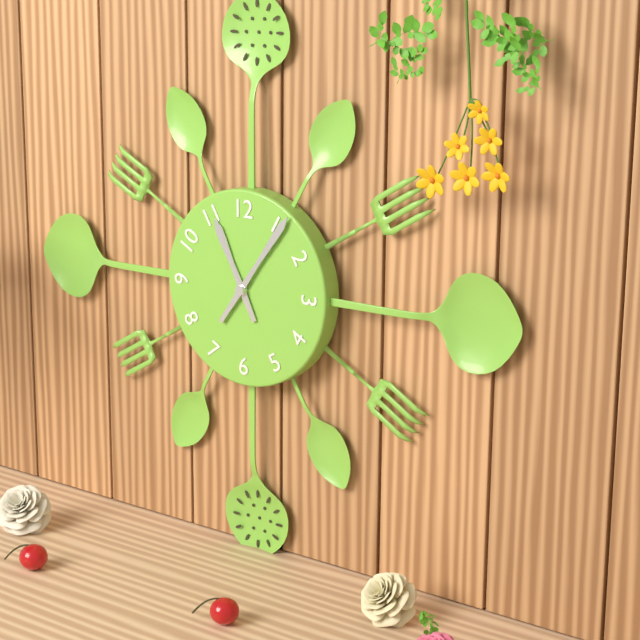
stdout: 11h06
